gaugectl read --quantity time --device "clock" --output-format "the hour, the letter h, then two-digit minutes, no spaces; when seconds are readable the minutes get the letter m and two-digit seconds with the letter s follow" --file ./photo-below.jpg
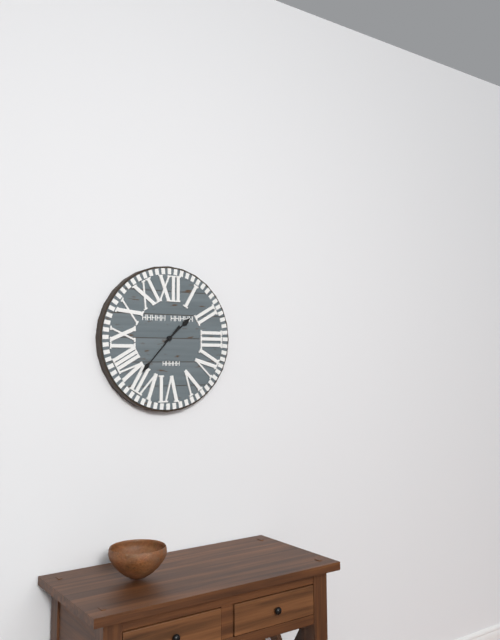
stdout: 1h37
